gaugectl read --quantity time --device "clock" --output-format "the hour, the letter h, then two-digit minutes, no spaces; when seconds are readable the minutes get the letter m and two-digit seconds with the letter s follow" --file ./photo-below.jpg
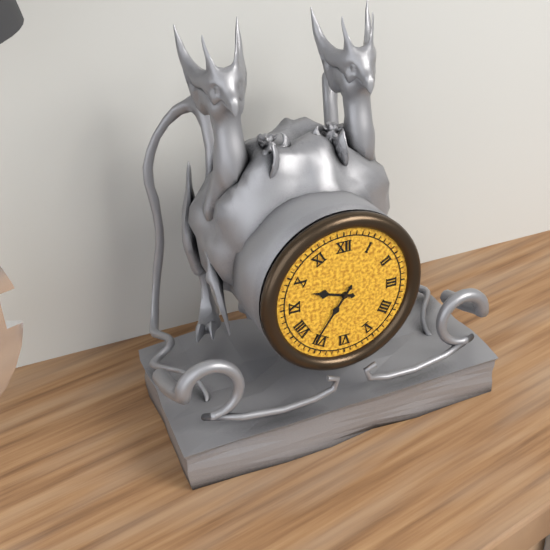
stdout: 9h36
